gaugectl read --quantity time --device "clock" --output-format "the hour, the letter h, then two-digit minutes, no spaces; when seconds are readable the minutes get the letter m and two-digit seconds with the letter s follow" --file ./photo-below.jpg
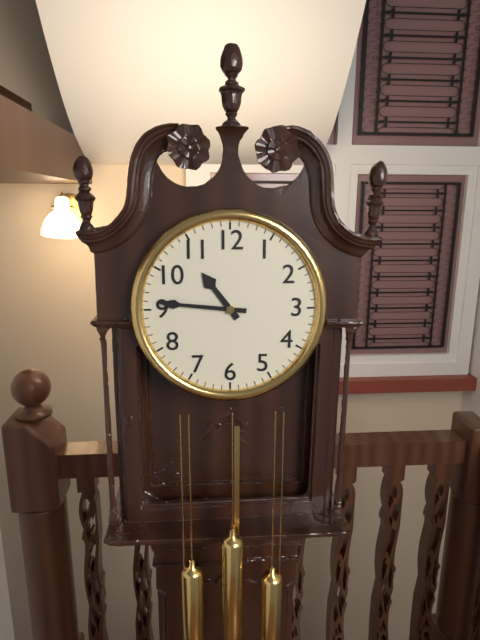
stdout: 10h46
